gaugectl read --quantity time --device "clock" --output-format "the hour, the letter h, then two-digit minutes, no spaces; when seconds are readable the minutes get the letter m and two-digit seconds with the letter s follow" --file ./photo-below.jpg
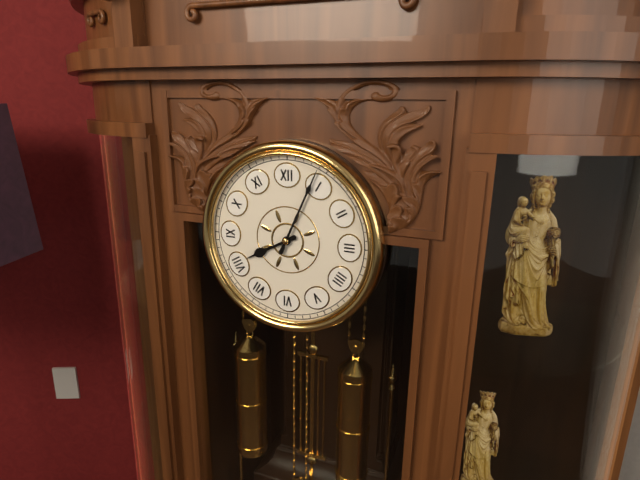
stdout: 8h04
